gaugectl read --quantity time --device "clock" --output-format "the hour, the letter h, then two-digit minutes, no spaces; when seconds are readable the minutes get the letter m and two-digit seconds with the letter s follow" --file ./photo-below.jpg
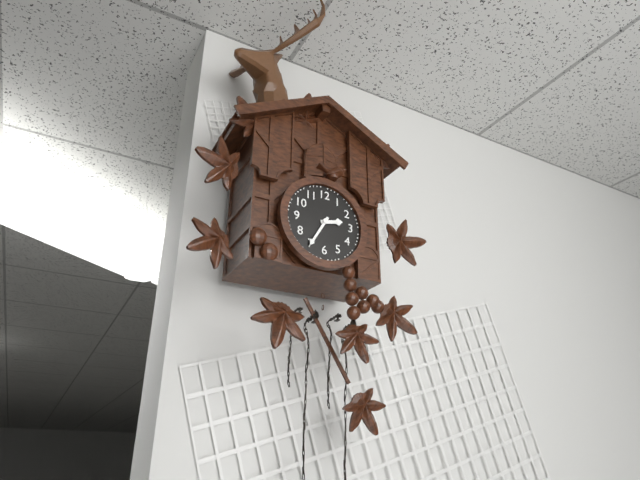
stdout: 2h35
